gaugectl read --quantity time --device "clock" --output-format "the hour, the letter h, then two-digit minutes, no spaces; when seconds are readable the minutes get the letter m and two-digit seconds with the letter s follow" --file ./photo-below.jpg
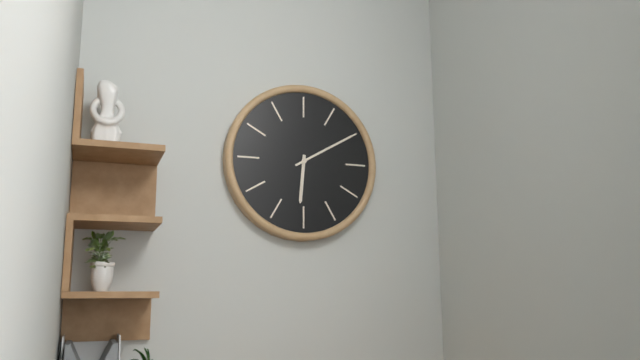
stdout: 6h10
